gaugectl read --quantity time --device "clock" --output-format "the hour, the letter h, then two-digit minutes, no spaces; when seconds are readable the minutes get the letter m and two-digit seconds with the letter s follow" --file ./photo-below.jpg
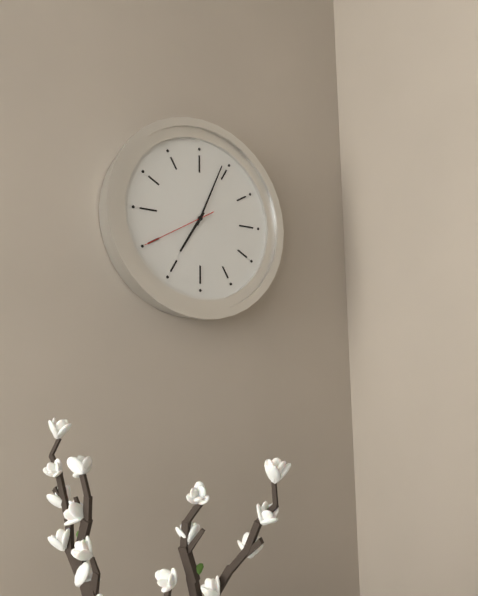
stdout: 7h04m40s
